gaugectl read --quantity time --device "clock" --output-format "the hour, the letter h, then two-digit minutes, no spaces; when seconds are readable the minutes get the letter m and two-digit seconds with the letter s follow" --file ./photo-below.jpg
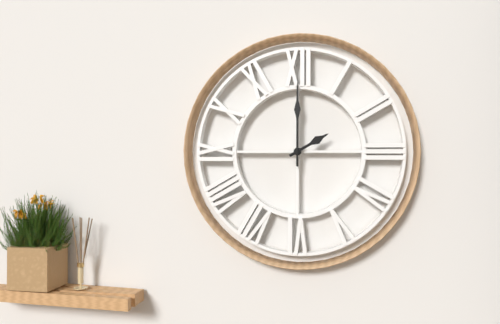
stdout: 2h00
